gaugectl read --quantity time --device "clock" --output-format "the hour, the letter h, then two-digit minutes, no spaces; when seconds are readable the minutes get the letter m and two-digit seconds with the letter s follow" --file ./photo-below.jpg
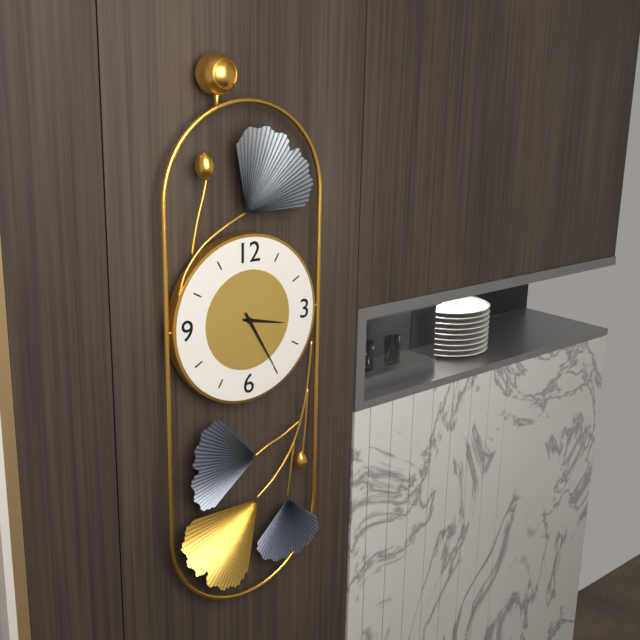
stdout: 3h25
